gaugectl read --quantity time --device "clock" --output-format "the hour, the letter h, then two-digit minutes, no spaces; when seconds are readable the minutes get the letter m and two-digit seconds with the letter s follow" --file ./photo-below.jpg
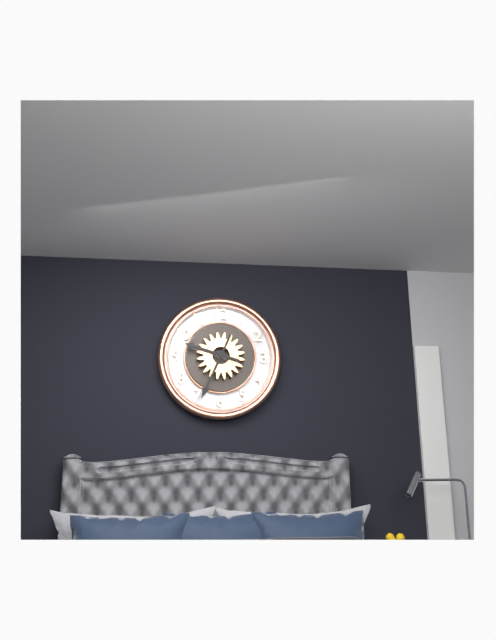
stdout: 9h34
